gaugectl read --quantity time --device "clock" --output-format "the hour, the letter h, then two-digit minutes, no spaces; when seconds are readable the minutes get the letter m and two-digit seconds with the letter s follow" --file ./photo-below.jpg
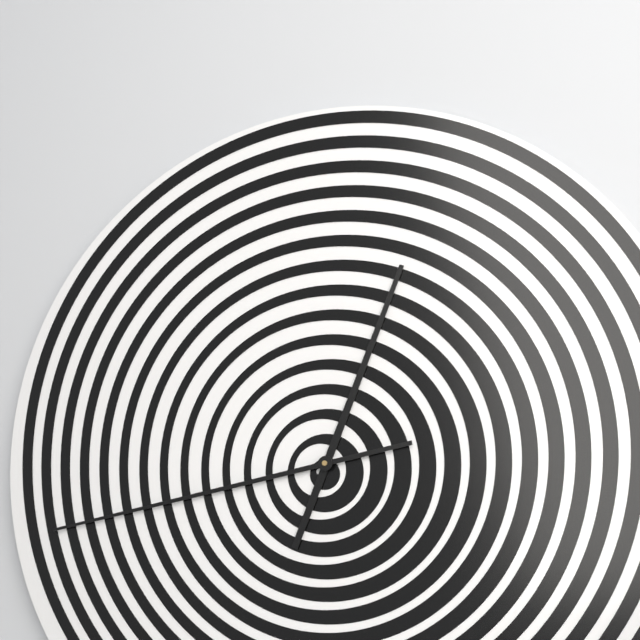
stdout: 12h43
